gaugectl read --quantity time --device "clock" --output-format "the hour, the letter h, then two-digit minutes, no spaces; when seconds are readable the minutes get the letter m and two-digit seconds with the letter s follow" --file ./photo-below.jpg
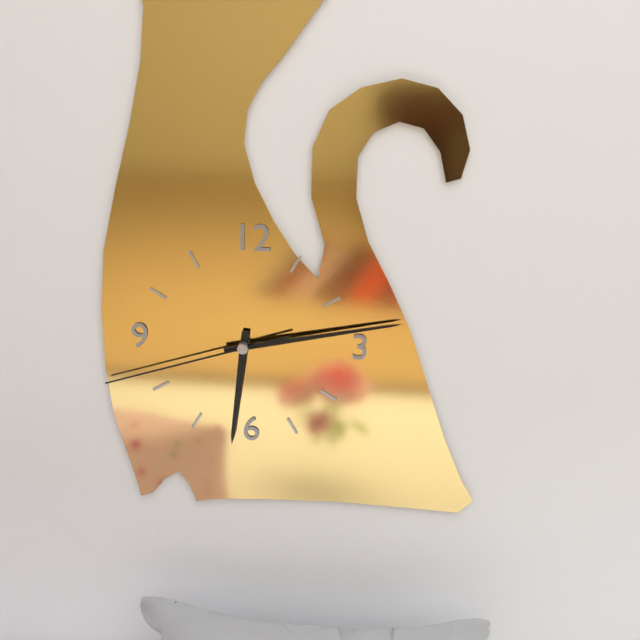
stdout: 6h13m42s
